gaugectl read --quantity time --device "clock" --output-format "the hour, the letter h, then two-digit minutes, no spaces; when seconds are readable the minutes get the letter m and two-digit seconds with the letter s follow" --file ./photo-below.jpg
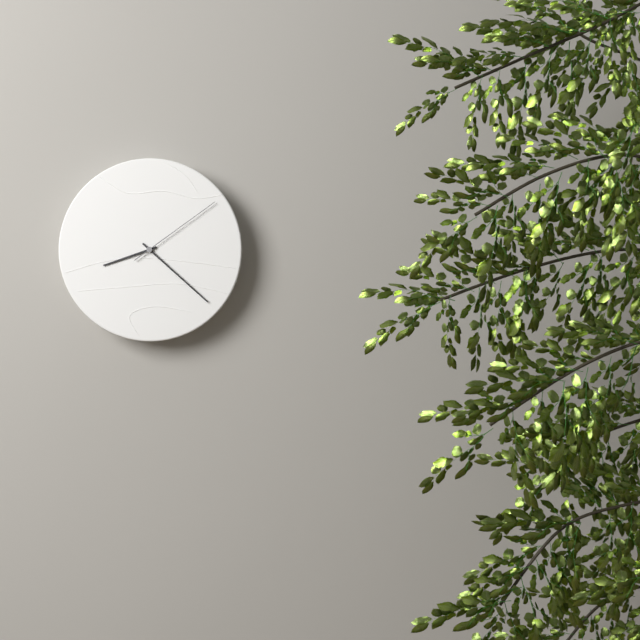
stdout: 8h22m09s
